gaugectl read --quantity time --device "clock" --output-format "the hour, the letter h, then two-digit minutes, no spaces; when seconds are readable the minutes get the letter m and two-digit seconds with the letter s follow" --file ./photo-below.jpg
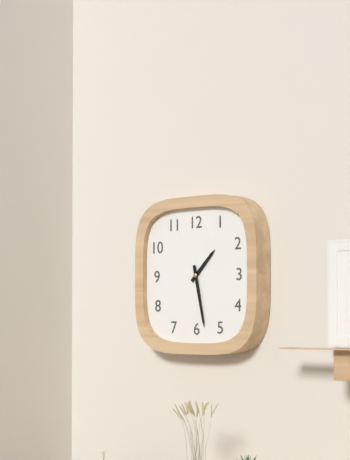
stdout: 1h28
